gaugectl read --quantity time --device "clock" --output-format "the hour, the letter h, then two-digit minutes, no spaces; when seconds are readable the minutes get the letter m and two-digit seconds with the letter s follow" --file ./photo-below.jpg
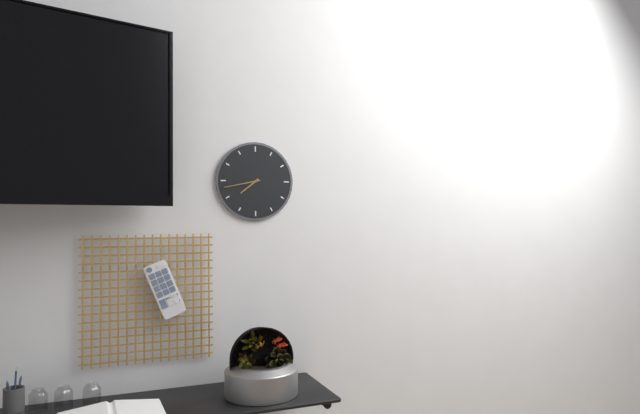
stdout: 7h43
